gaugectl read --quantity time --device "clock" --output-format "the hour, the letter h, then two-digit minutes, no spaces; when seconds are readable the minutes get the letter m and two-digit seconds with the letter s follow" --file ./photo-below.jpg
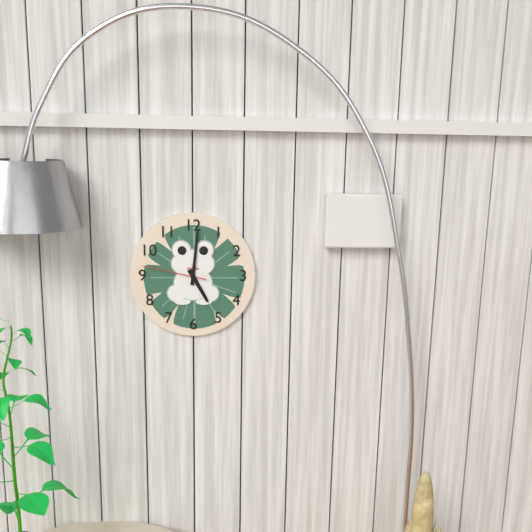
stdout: 5h01m47s
